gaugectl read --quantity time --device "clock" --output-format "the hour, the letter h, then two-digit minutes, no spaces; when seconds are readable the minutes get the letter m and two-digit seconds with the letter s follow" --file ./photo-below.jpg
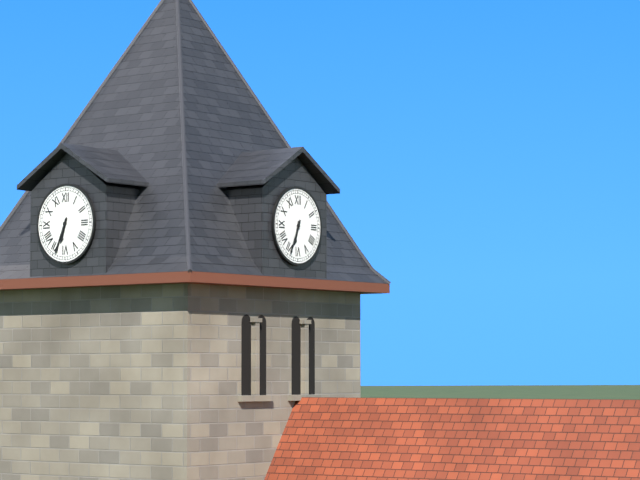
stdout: 6h34
